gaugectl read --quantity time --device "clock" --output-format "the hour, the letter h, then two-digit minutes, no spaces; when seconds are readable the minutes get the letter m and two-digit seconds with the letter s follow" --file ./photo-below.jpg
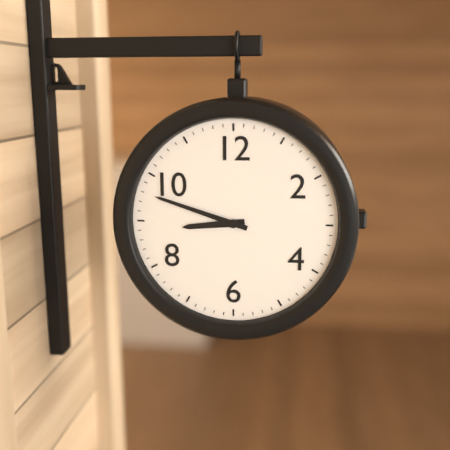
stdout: 8h48
